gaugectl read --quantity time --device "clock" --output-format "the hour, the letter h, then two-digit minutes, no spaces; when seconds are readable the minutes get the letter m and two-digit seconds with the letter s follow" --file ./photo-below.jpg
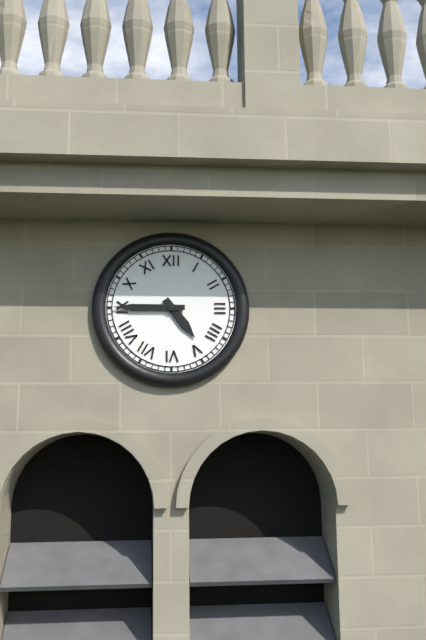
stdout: 4h45
